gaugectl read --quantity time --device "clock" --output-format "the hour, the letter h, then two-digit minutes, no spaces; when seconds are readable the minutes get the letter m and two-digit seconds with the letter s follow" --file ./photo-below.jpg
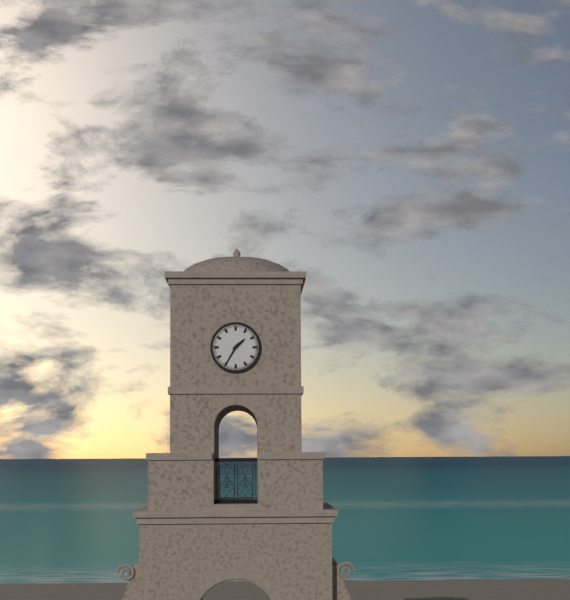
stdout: 1h35
